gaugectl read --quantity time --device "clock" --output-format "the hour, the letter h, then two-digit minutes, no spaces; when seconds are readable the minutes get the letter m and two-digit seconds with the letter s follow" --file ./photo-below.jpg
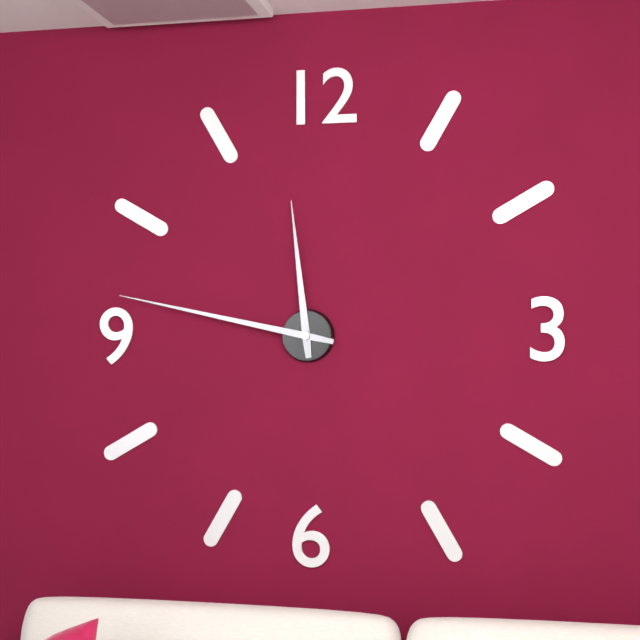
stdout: 11h47
